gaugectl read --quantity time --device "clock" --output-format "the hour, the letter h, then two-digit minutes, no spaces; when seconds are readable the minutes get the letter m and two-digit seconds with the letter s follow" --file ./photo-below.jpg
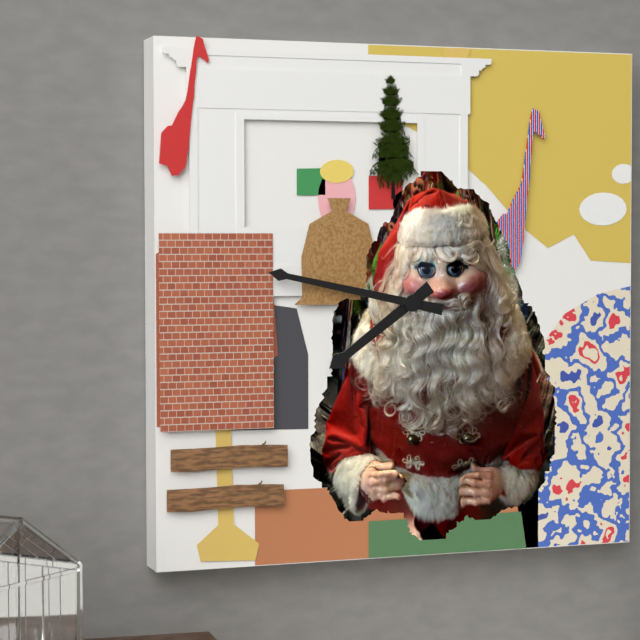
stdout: 7h47
